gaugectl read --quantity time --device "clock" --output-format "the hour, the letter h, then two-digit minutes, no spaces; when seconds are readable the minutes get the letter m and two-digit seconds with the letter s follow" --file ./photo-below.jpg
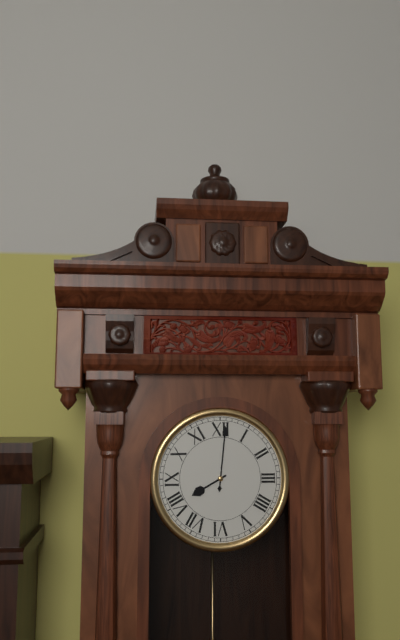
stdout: 8h01
